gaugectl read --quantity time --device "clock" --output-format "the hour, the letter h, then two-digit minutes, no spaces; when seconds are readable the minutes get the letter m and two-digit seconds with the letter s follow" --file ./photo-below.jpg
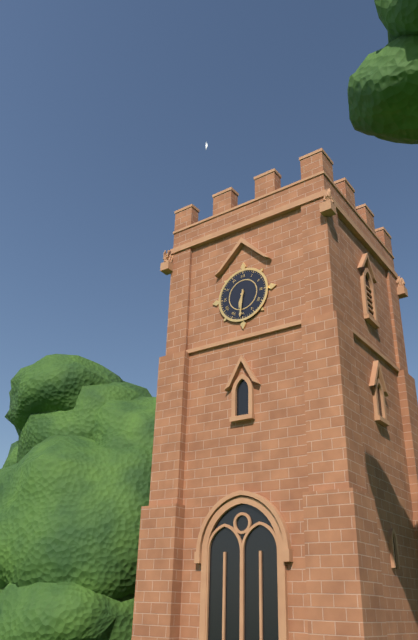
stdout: 6h31
